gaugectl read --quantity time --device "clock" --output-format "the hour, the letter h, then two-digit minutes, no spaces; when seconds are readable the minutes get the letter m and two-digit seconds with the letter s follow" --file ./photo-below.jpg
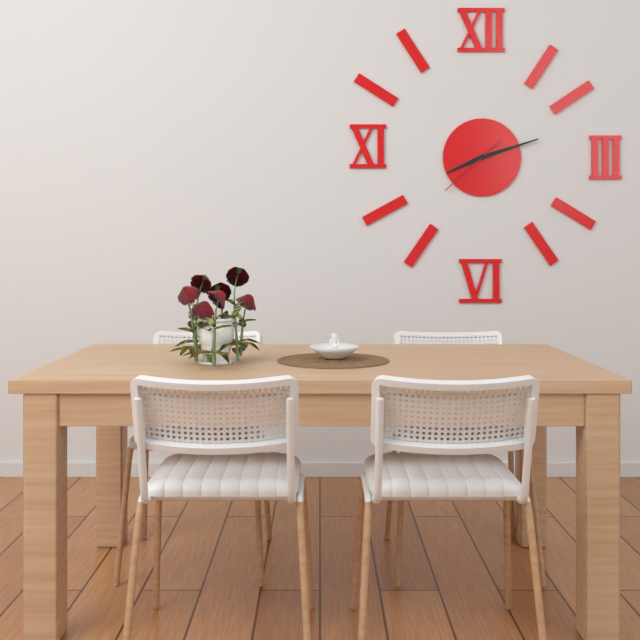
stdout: 8h12m38s
